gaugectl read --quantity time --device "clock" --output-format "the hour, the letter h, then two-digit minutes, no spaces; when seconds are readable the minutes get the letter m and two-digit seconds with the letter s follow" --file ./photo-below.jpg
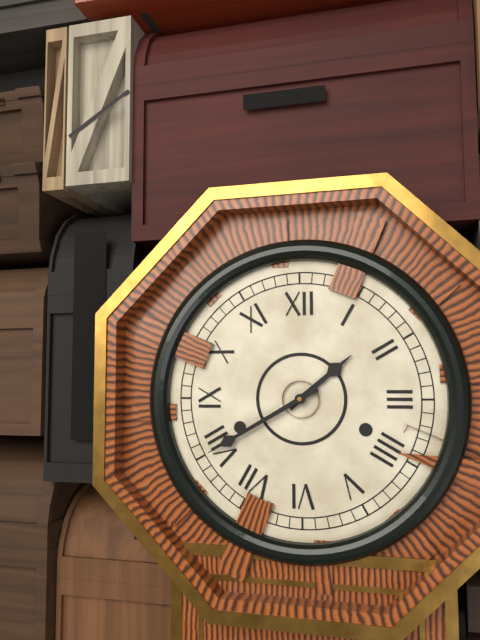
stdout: 1h40
